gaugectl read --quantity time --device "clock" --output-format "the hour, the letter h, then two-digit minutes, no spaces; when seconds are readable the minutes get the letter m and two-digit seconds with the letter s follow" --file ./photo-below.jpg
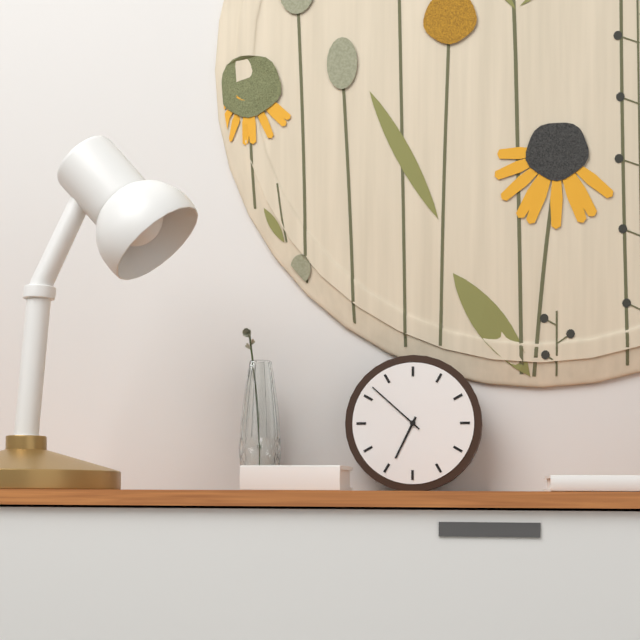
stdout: 6h52
